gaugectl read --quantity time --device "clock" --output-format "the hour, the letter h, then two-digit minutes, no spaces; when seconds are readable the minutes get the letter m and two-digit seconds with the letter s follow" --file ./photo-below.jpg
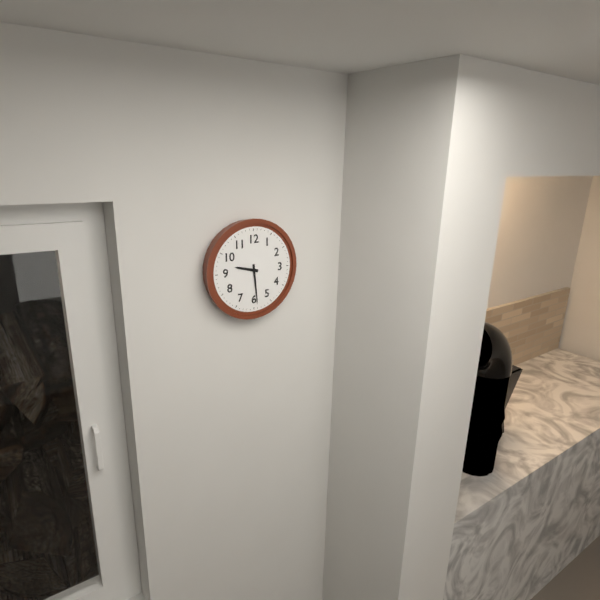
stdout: 9h29
